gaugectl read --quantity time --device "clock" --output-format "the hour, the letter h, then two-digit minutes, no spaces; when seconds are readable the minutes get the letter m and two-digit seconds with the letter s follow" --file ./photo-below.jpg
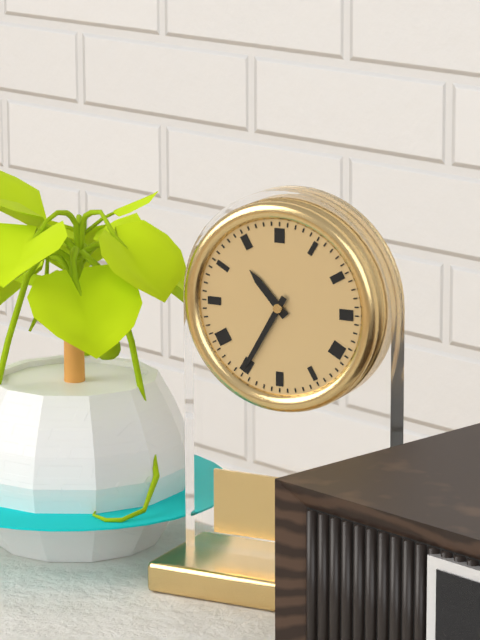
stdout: 10h35
